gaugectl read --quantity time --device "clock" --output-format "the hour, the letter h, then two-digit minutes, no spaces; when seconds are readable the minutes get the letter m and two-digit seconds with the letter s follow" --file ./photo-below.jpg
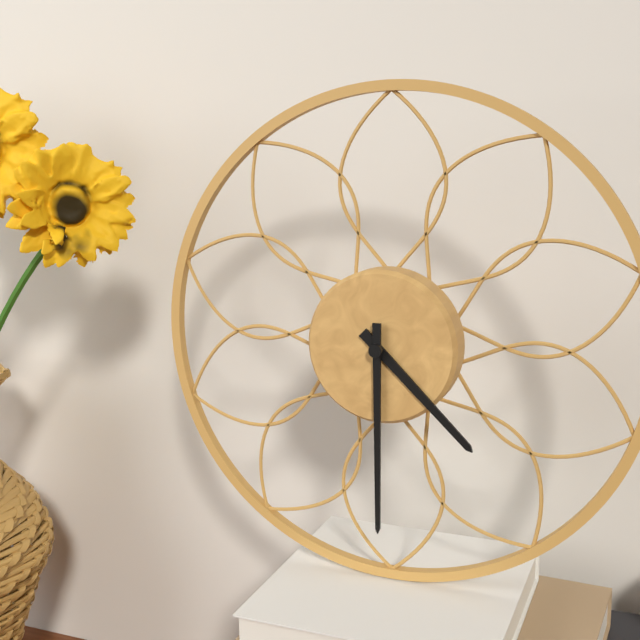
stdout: 4h30
